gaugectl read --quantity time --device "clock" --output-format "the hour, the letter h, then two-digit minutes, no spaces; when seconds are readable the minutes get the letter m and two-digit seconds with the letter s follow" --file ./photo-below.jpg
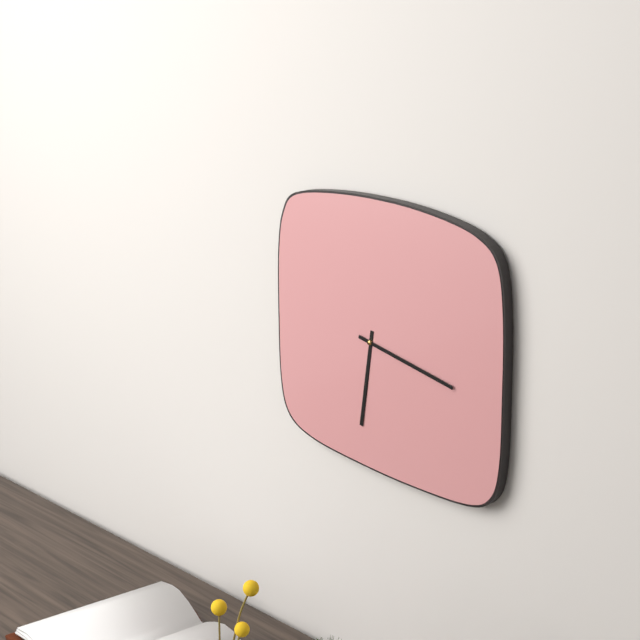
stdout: 6h17
